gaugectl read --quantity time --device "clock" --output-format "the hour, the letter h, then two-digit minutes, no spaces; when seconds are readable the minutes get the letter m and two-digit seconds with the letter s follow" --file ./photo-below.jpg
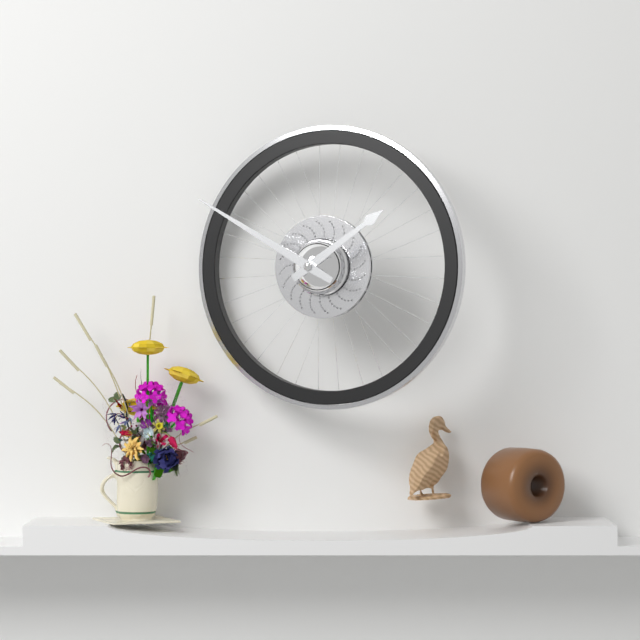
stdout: 1h50
